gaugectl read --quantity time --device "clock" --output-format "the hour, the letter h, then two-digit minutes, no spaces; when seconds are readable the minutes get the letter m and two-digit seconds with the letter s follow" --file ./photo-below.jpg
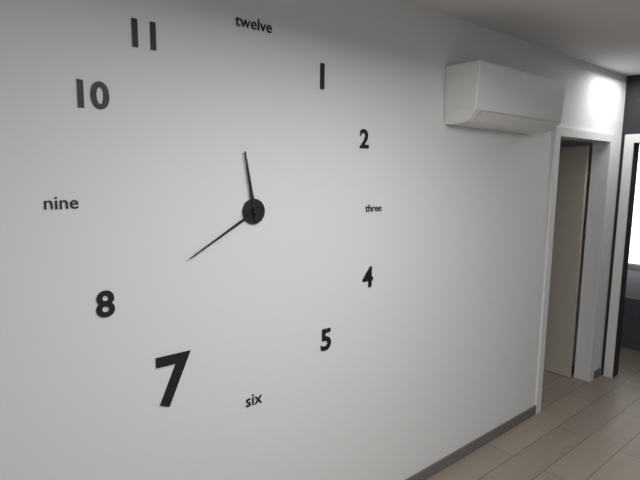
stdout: 11h40
